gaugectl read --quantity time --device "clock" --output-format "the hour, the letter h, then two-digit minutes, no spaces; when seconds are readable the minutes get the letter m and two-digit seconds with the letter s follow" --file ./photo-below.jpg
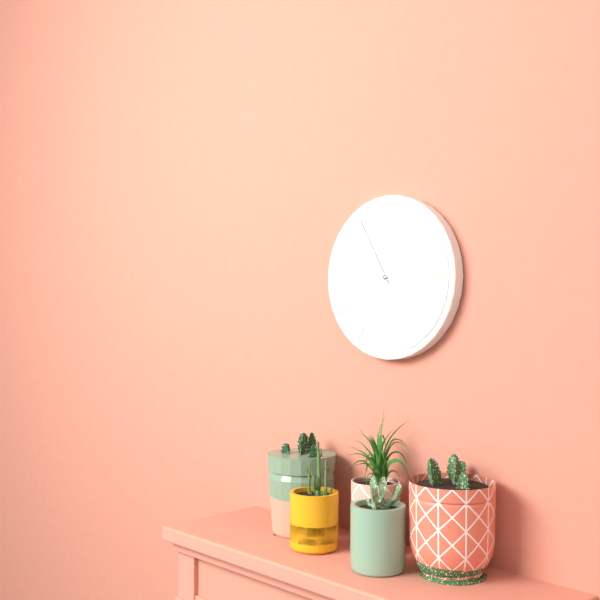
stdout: 3h55
